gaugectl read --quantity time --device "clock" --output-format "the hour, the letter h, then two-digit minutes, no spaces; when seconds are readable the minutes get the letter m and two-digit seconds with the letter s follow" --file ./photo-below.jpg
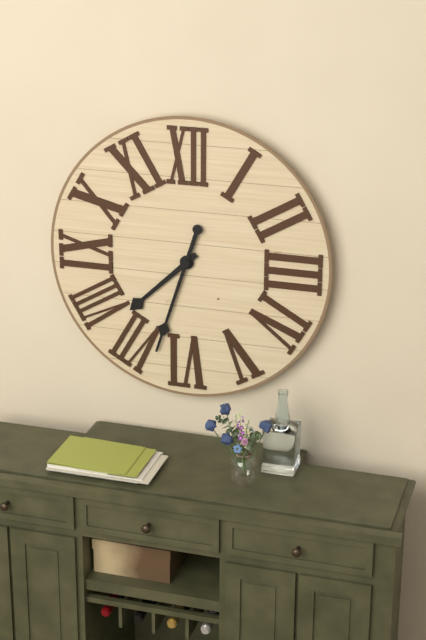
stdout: 7h33
